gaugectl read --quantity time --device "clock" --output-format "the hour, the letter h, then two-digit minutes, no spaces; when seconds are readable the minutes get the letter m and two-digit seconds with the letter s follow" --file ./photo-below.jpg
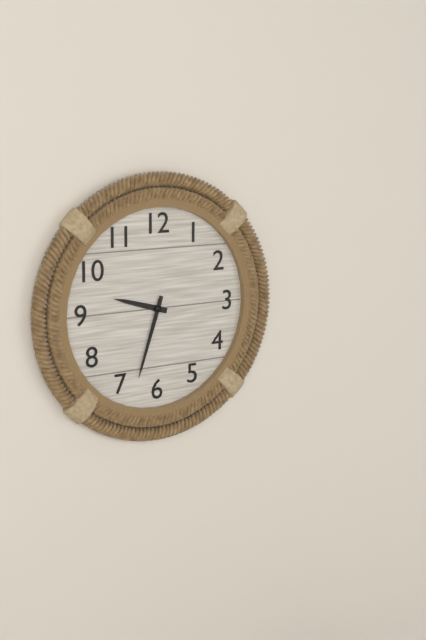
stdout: 9h33
